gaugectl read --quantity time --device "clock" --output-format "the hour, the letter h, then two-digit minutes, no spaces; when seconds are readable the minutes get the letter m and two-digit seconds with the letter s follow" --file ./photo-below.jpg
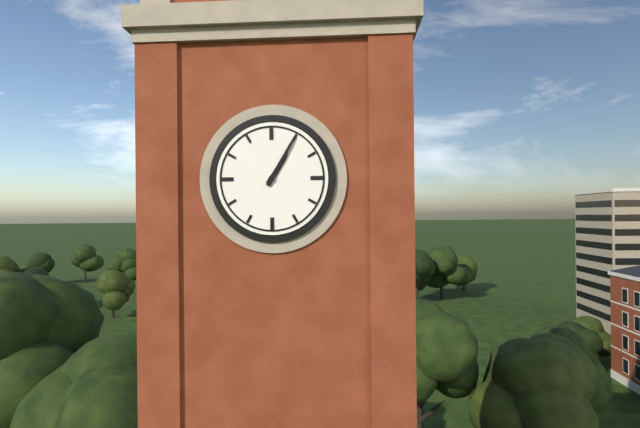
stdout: 1h05
